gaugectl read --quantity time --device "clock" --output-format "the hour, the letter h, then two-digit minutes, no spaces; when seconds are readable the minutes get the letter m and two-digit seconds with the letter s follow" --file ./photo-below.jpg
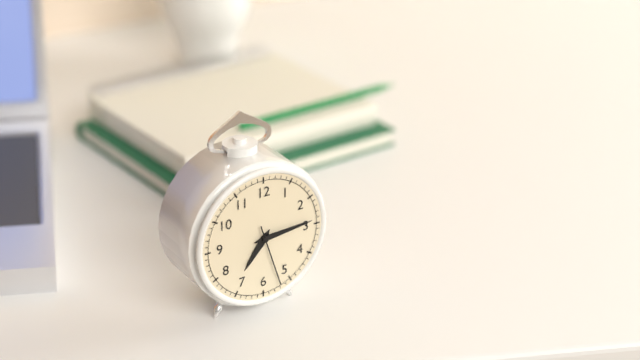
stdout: 7h14m27s
